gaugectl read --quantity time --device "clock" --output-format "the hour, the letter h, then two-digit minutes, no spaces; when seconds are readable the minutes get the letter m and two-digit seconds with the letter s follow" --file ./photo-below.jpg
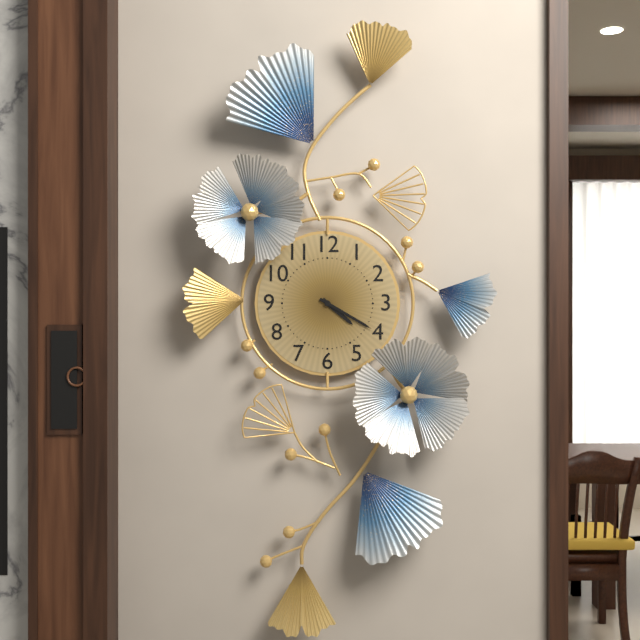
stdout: 4h20
